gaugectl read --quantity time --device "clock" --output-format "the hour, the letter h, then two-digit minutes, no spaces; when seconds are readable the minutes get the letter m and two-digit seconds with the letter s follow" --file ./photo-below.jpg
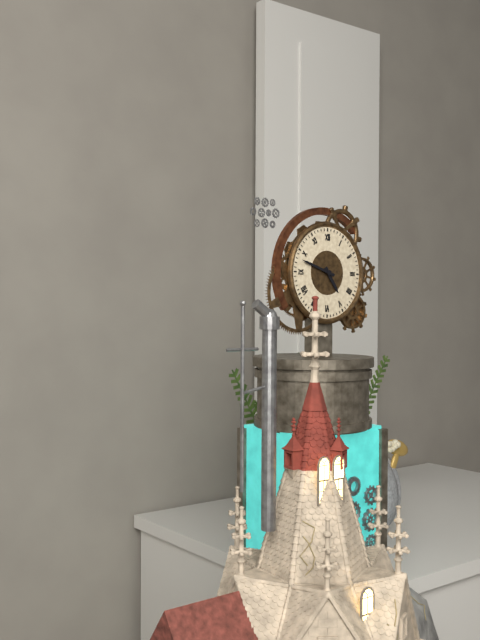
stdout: 4h48
